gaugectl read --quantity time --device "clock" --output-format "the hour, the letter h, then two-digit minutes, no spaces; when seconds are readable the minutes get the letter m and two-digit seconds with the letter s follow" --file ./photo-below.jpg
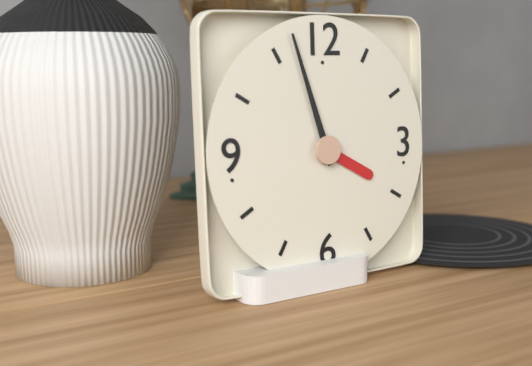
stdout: 3h57
